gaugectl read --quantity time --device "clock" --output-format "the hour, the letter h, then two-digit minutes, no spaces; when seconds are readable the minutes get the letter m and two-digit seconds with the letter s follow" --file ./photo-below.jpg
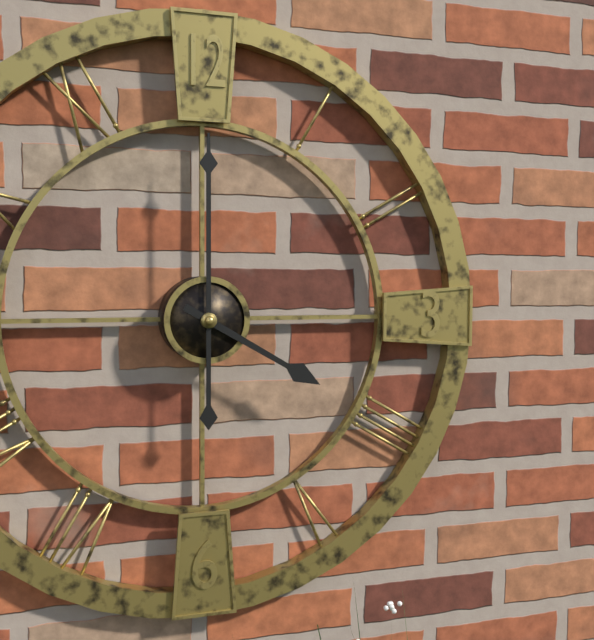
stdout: 4h00
